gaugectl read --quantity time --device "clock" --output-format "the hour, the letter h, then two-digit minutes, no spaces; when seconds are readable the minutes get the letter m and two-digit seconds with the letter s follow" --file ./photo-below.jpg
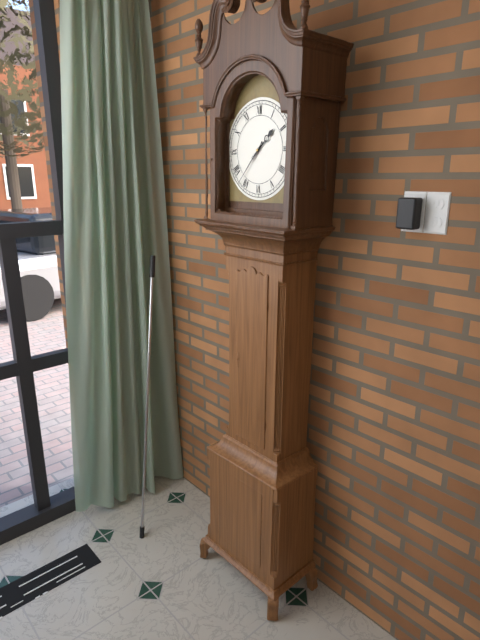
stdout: 1h37
